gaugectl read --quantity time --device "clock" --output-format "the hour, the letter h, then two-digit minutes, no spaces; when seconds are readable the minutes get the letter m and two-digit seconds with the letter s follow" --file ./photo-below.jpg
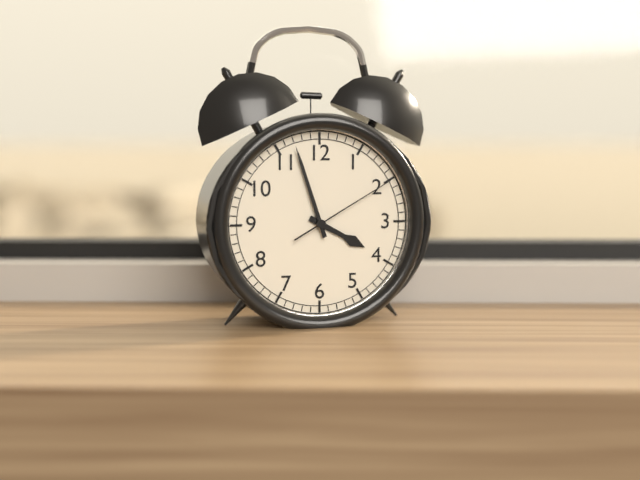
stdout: 3h57m10s
